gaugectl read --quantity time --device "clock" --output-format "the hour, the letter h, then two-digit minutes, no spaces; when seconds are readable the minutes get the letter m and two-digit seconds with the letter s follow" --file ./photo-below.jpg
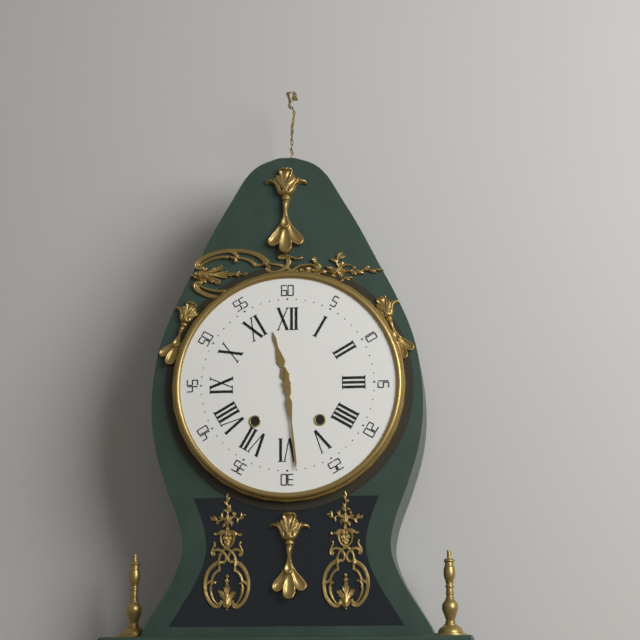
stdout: 11h29
